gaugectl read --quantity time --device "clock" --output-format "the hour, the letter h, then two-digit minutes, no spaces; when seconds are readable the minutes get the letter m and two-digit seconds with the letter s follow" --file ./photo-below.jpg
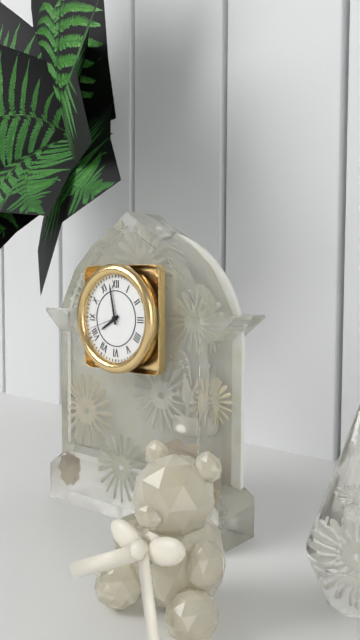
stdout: 7h58
